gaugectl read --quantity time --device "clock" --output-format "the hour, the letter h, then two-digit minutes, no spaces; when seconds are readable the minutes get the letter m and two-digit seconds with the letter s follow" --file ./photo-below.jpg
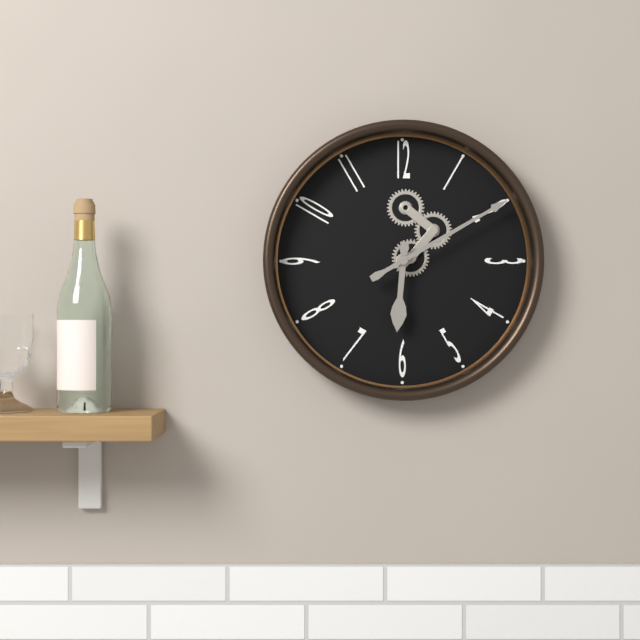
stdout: 6h10
